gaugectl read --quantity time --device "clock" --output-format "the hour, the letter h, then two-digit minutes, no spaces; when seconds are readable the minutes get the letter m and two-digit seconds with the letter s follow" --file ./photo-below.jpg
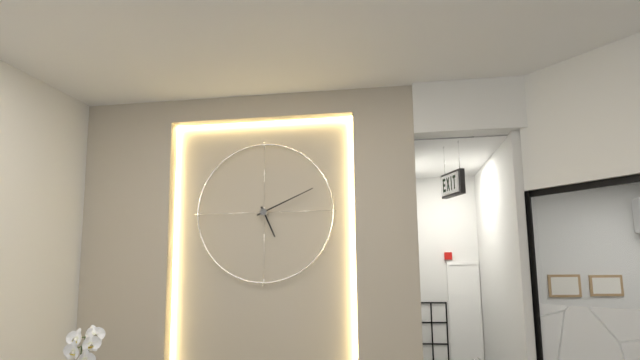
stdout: 5h11
